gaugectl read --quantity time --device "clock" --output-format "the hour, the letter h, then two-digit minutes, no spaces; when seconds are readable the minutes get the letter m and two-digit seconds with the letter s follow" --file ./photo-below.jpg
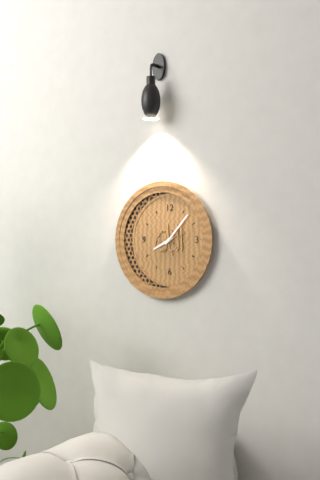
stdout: 8h07
